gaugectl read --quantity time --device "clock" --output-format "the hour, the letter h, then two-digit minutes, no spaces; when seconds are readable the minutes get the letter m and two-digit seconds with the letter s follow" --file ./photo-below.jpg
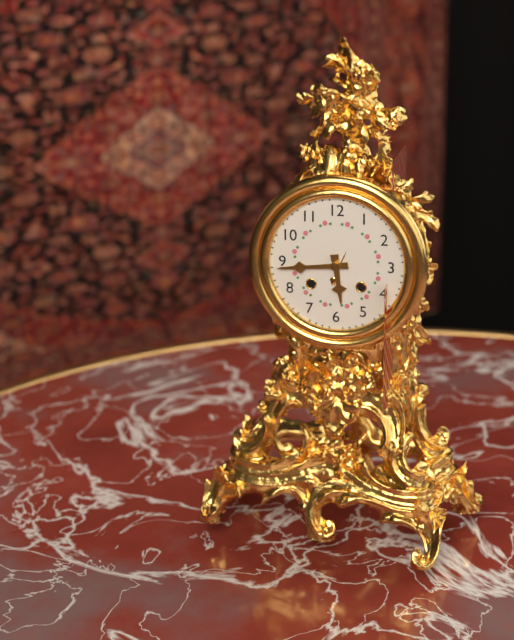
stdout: 5h44
